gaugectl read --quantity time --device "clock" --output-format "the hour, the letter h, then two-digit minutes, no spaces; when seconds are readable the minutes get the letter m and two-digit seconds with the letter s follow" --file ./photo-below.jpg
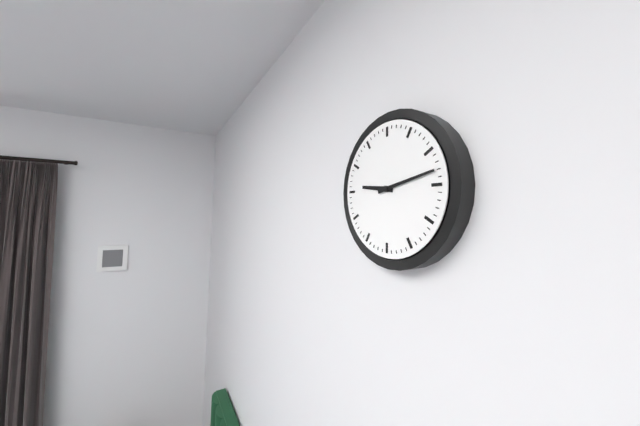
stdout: 9h13
